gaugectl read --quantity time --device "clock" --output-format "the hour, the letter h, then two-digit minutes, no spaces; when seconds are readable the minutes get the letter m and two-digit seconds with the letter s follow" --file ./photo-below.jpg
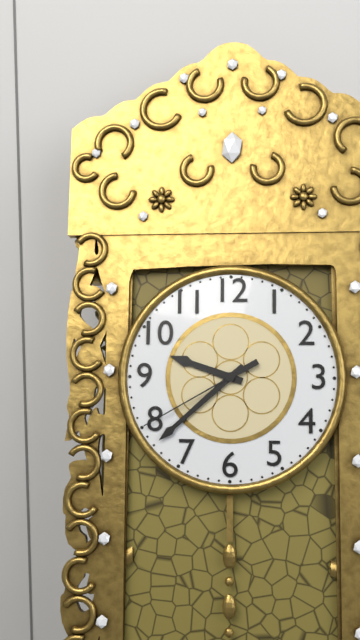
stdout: 9h38m40s
